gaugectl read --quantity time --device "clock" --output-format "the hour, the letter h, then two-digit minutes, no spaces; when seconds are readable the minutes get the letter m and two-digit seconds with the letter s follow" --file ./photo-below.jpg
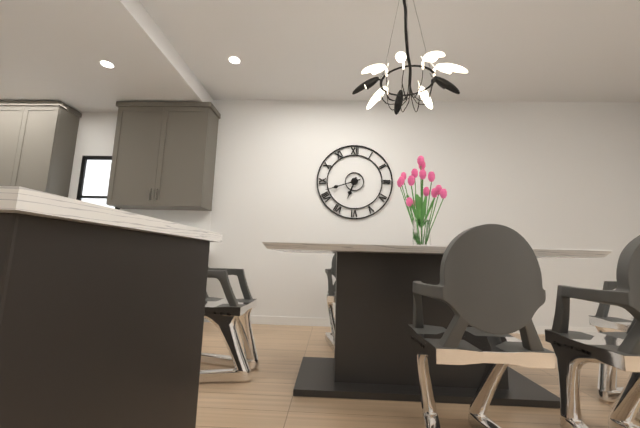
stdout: 6h42
